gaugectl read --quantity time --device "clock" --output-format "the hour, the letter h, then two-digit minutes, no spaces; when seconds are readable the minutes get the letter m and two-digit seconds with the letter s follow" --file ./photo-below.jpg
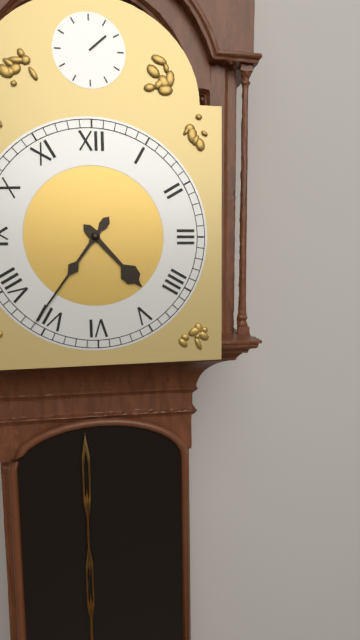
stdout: 4h36
